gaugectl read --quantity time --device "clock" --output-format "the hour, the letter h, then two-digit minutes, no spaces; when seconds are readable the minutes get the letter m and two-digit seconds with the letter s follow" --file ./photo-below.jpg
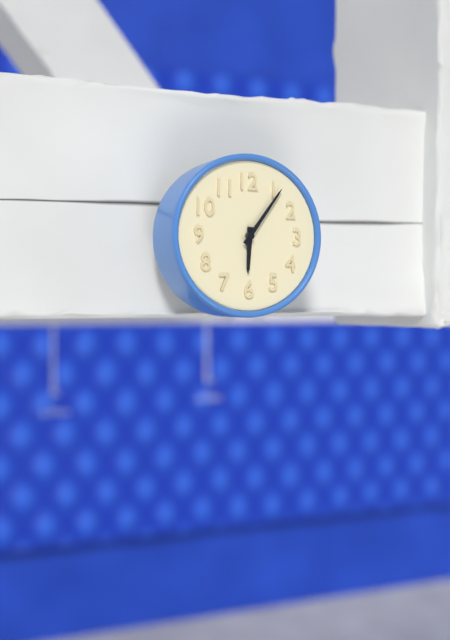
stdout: 6h06
